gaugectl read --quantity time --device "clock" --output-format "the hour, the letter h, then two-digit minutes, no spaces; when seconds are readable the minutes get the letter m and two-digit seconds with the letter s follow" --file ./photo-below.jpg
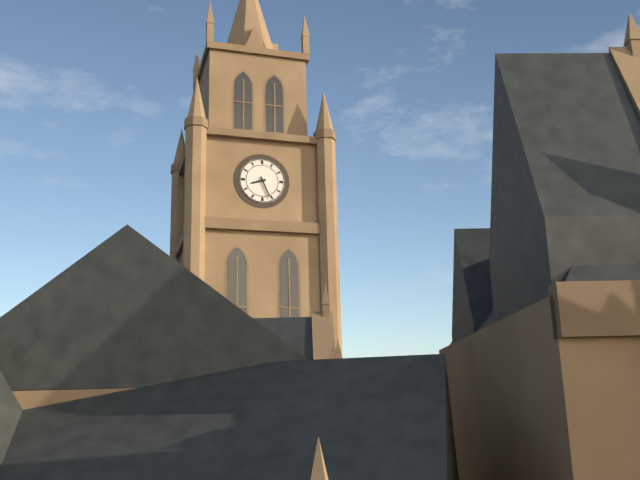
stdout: 8h26
